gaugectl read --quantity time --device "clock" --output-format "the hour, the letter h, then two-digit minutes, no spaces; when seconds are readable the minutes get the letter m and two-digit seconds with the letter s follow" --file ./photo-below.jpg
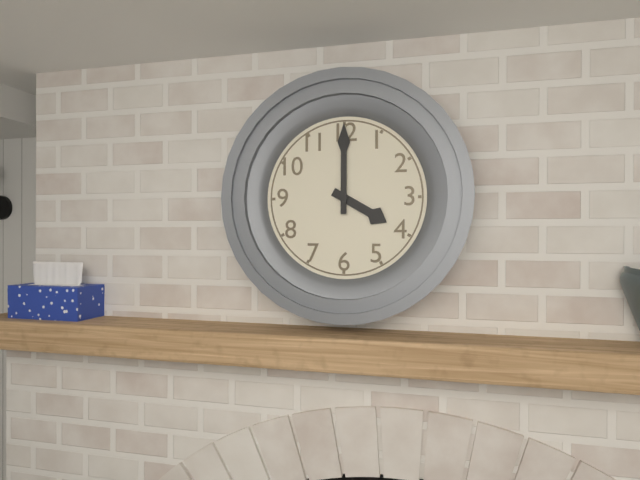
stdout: 4h00
